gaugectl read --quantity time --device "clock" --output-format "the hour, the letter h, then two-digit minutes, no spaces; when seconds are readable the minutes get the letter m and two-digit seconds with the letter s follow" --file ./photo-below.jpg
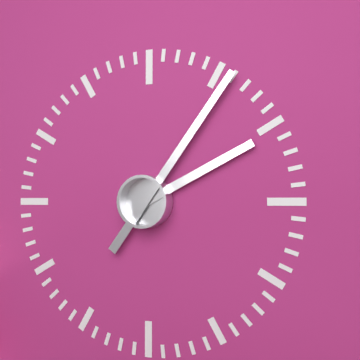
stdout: 2h06
